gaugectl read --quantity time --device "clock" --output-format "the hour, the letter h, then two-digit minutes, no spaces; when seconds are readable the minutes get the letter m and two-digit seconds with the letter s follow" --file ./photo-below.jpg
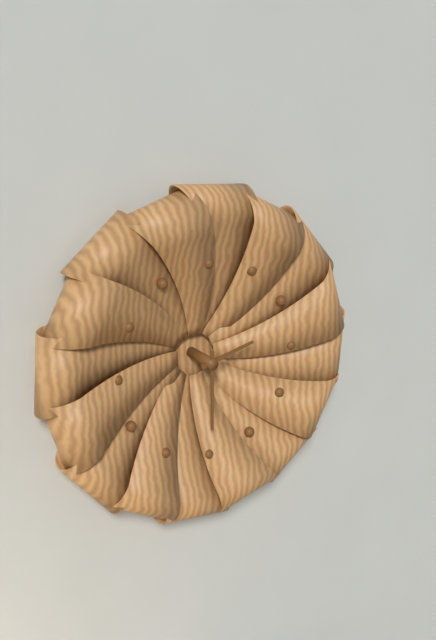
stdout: 2h30
